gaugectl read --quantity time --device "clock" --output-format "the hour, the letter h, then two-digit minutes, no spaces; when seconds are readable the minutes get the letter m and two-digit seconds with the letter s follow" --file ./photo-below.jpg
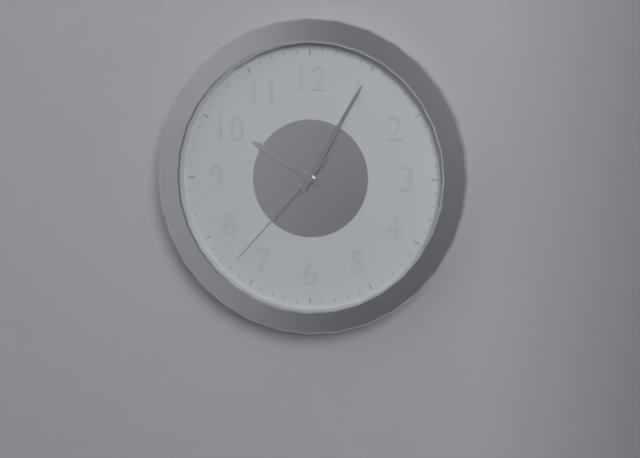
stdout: 10h05m37s
